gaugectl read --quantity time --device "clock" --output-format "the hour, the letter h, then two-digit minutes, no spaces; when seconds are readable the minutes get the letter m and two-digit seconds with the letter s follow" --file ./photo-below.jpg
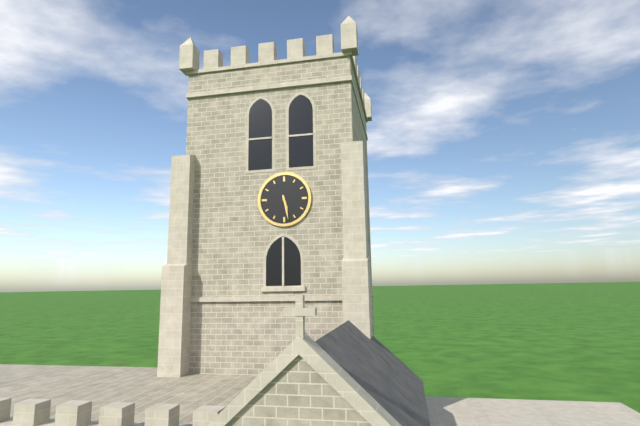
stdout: 5h28
